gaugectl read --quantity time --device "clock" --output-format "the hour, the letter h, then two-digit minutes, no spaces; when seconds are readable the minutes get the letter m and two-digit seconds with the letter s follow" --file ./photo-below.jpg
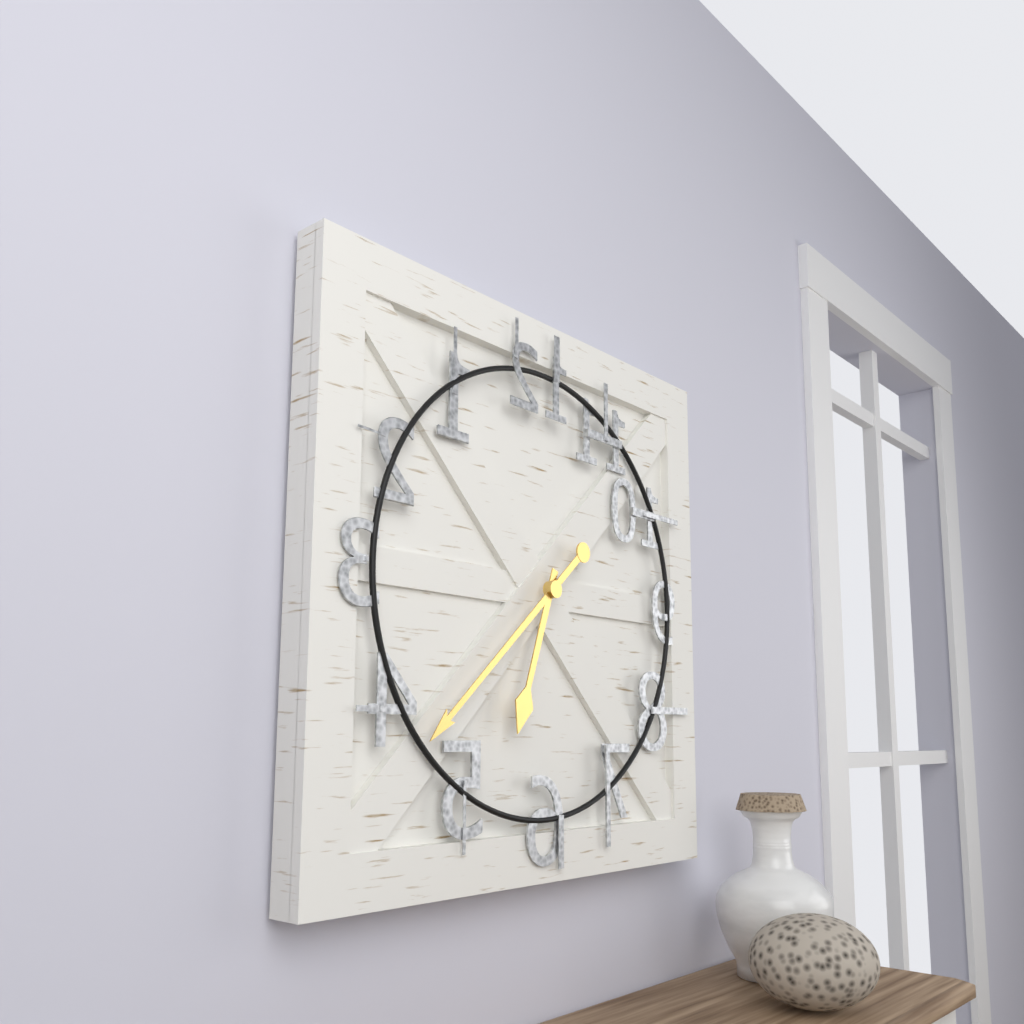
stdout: 6h38
